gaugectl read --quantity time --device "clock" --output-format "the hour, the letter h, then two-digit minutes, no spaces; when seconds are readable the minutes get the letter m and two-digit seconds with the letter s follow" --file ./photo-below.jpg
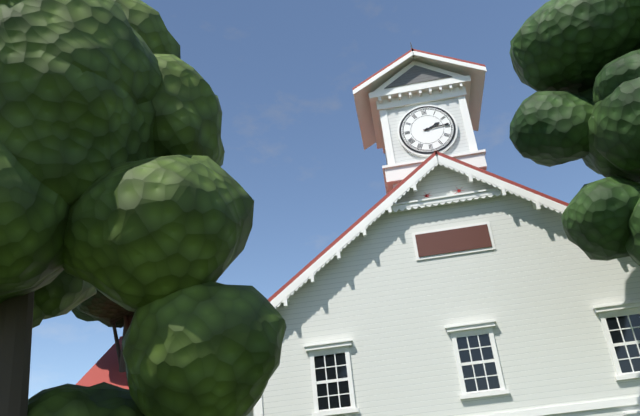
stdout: 2h14
